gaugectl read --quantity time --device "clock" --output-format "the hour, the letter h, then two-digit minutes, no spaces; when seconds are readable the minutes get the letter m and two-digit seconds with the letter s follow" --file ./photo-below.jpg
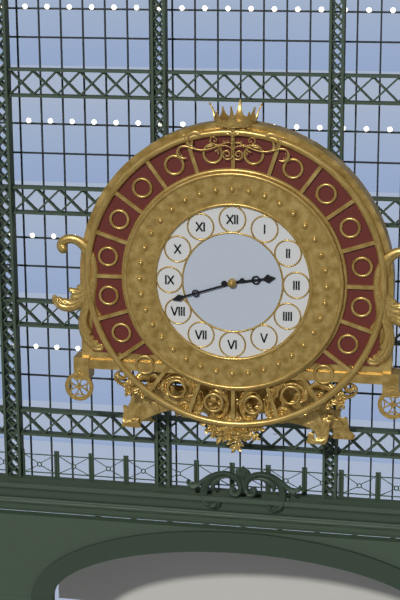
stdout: 2h42
